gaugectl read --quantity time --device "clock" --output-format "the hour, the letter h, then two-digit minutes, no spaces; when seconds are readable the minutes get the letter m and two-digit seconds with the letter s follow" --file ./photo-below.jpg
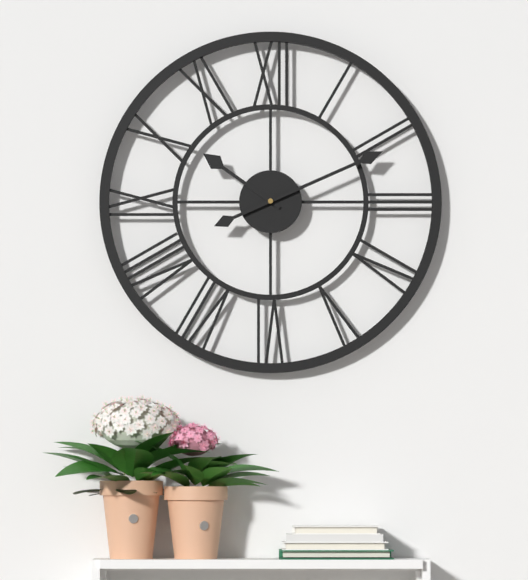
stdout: 10h11
